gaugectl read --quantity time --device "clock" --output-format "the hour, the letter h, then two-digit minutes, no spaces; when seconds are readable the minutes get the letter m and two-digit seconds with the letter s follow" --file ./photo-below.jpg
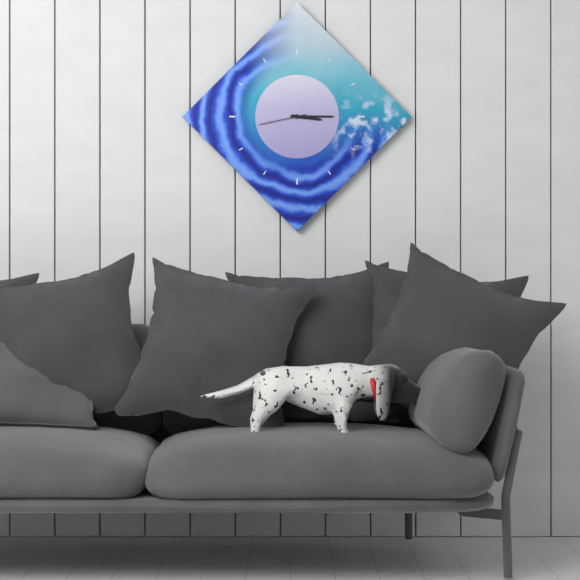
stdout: 3h15m43s
